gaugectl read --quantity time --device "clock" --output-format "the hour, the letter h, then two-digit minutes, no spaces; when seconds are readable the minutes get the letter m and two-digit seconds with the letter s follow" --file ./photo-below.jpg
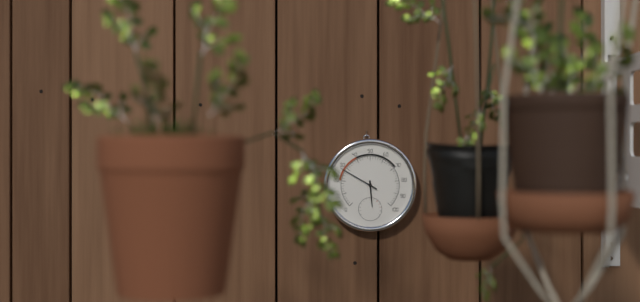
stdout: 5h50
